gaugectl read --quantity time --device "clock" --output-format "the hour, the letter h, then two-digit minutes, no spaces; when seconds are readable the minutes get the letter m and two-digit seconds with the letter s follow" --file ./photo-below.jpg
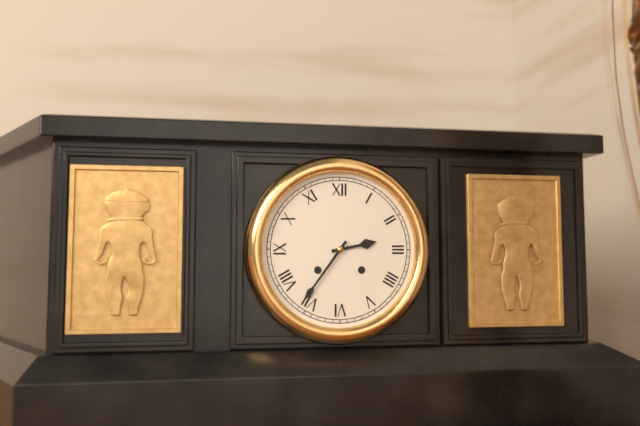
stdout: 2h36
